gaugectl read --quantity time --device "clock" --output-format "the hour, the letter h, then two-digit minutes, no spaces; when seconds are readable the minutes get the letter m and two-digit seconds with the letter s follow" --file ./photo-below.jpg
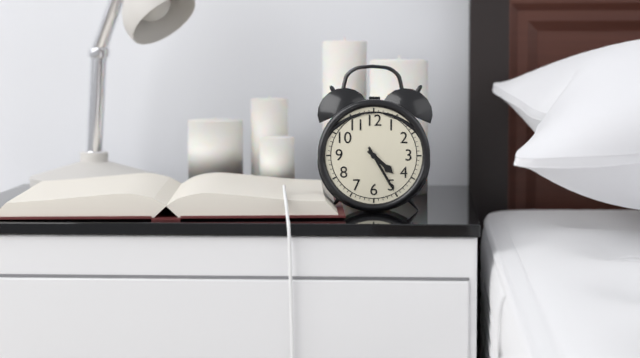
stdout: 4h25
